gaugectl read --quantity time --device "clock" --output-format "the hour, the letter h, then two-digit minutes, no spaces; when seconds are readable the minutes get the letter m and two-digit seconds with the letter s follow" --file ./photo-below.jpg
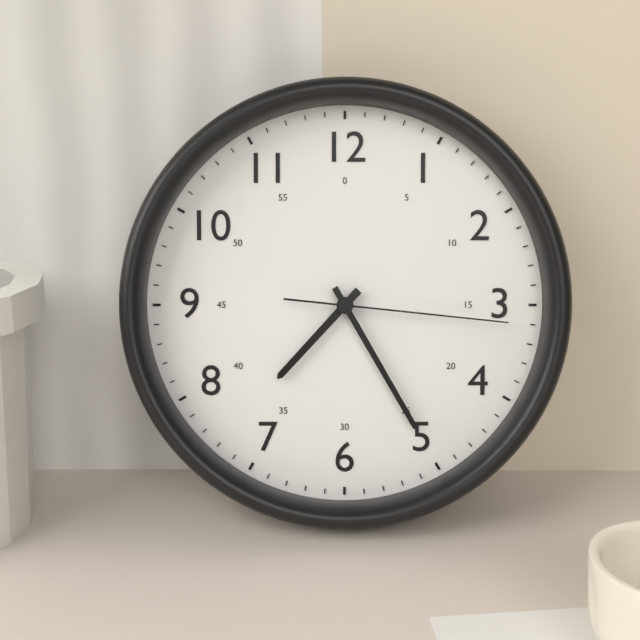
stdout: 7h25m16s
